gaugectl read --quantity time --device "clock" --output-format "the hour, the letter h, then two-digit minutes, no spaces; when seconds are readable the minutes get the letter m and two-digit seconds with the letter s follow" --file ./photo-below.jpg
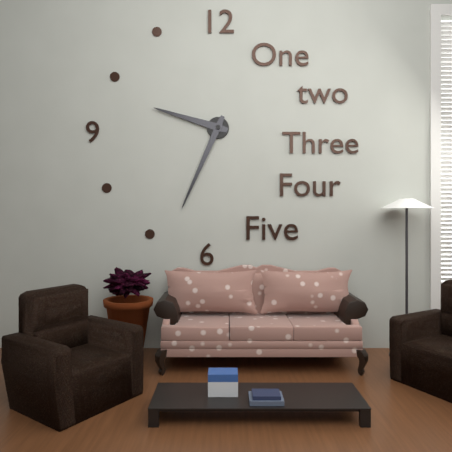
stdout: 9h34
